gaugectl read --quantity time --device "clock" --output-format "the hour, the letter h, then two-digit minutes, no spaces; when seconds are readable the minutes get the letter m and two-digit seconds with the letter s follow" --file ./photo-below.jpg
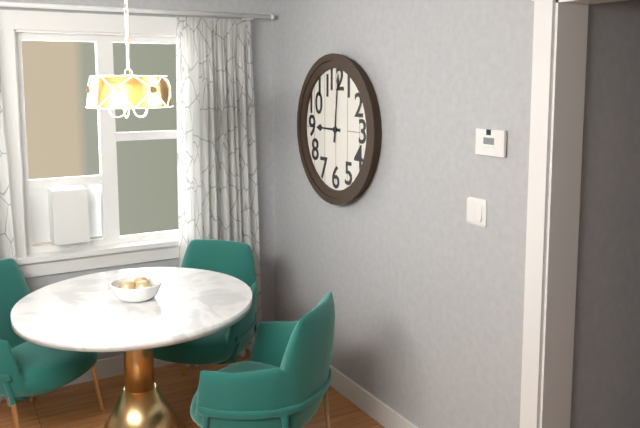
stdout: 9h01
